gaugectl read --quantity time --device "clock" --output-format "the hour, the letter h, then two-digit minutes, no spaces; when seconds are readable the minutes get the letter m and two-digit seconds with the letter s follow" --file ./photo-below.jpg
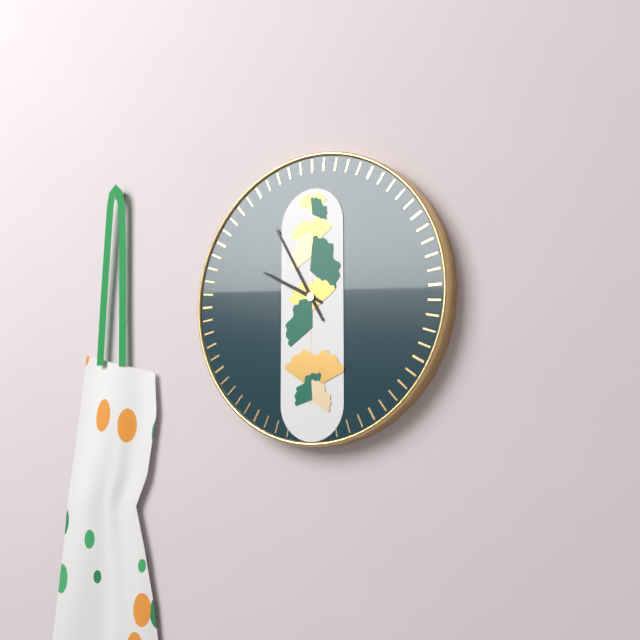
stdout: 9h55
